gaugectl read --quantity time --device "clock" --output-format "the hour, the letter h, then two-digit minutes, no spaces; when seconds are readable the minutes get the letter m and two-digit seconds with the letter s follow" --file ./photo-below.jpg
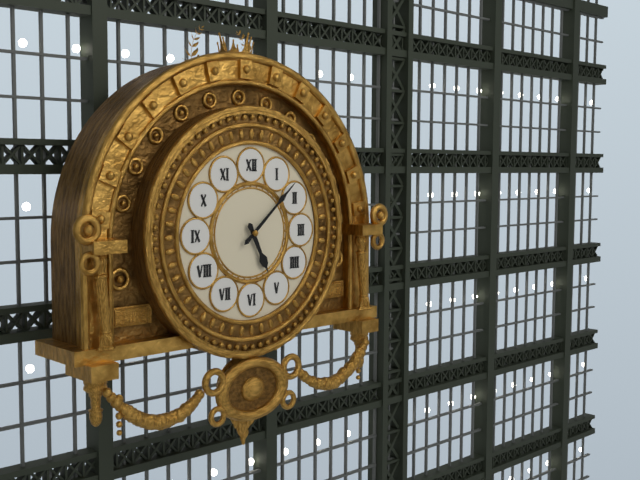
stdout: 5h08
